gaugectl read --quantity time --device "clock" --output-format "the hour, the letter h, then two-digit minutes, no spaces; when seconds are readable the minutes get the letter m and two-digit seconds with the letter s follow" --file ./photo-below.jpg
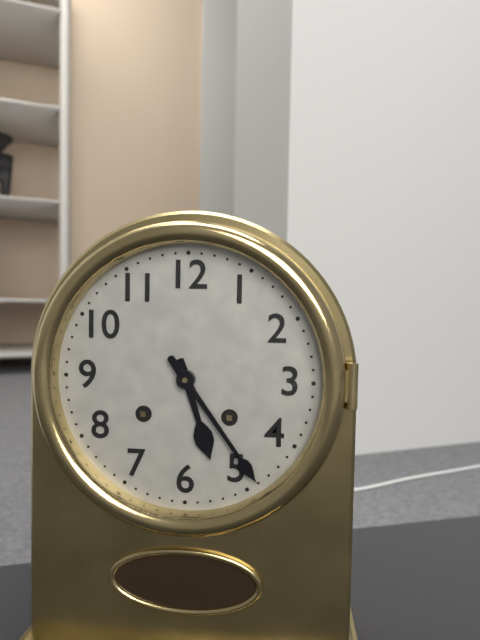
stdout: 5h24
